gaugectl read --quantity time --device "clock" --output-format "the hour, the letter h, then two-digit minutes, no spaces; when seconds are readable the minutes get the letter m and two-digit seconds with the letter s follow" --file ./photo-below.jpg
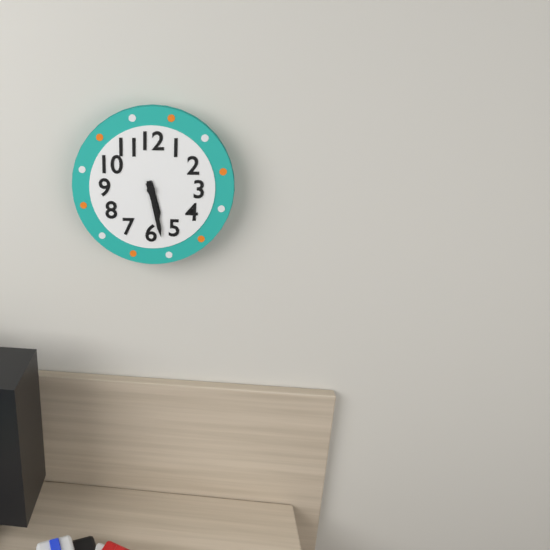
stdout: 5h28
